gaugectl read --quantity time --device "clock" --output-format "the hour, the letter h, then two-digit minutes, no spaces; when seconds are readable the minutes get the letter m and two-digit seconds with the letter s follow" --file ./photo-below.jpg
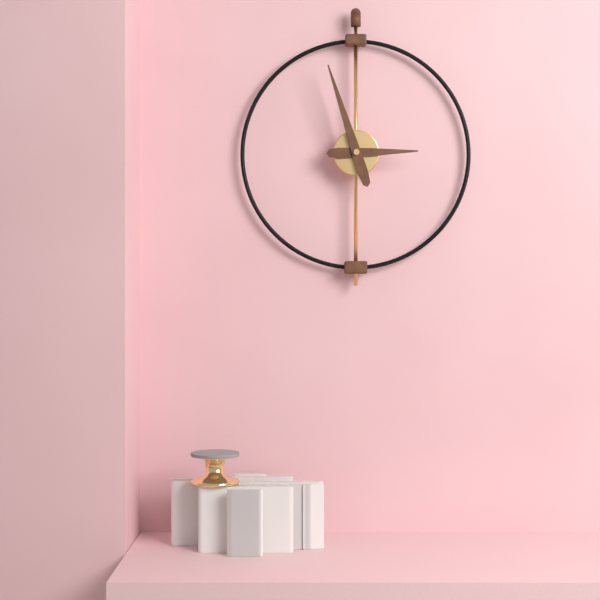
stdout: 2h57
